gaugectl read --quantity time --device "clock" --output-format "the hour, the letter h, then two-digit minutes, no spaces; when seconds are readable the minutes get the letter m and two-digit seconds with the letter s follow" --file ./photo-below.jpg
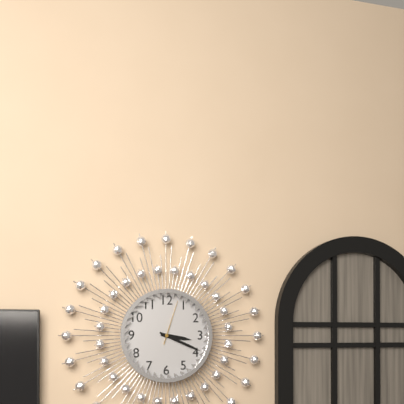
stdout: 3h19
